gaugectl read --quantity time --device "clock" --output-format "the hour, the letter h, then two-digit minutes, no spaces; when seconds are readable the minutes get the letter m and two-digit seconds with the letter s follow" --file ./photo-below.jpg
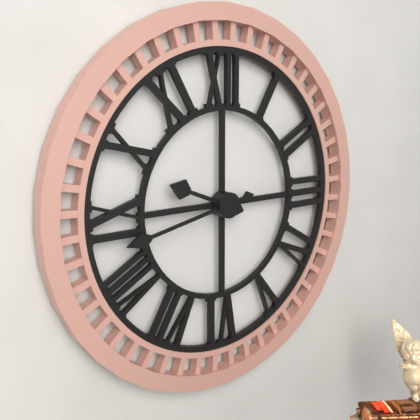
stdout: 9h43
